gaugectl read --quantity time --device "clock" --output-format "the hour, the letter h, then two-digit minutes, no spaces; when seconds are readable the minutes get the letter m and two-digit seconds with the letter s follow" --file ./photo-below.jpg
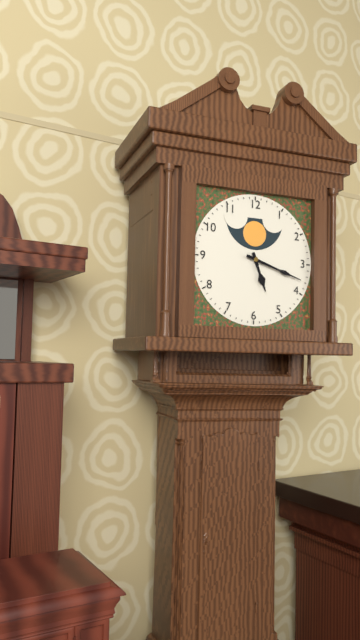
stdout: 5h18
